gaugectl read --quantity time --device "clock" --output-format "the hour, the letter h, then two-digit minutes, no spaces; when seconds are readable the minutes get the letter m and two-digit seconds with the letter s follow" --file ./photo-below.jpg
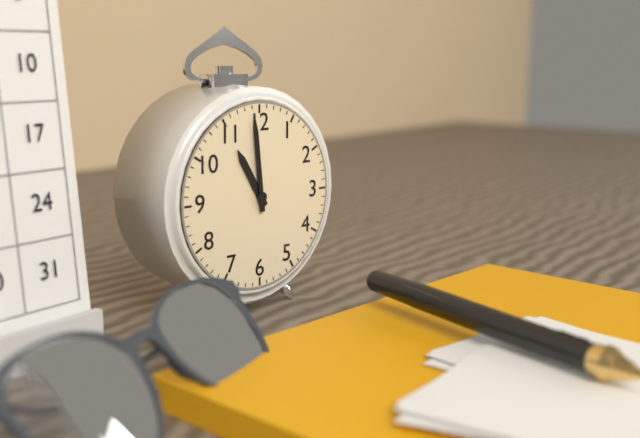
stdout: 10h59
